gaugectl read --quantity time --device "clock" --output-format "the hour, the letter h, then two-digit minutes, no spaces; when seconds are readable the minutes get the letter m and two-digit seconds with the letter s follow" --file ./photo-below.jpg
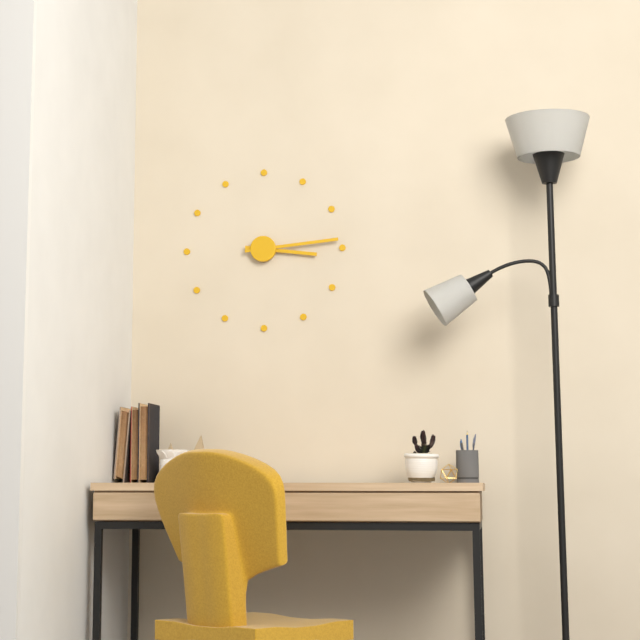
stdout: 3h14
